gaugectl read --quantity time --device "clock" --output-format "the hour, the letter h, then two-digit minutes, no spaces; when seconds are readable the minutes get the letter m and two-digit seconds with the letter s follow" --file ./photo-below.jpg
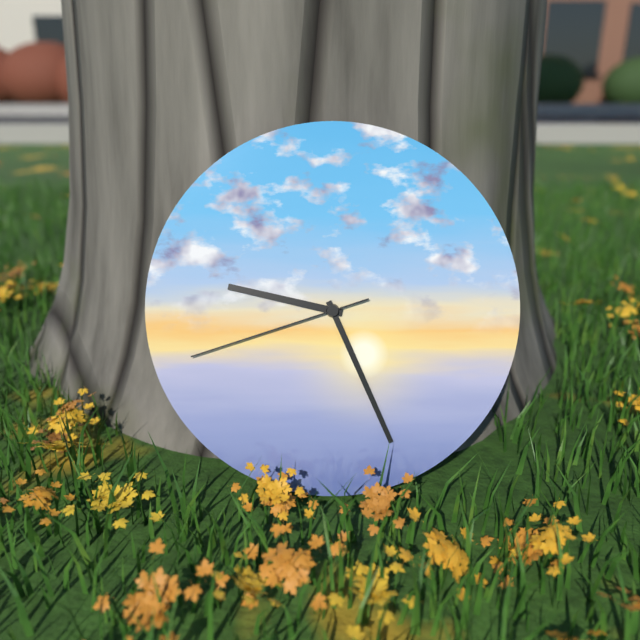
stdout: 9h26m42s
